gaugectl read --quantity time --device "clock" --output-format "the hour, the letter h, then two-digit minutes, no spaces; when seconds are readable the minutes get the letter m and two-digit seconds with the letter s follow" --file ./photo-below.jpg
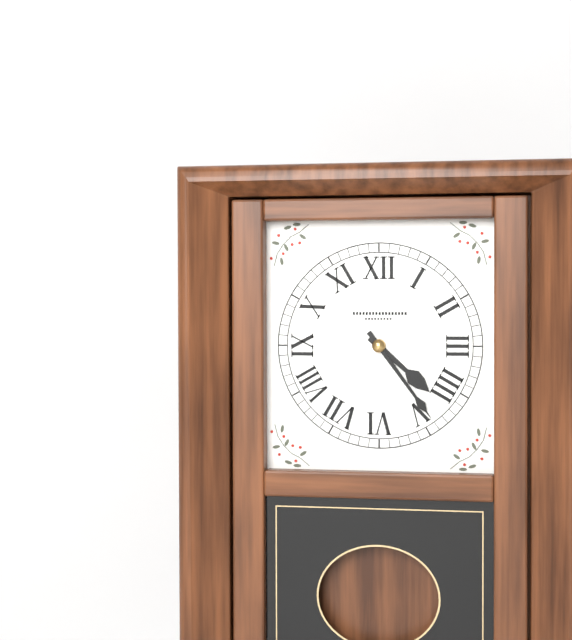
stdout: 4h24
